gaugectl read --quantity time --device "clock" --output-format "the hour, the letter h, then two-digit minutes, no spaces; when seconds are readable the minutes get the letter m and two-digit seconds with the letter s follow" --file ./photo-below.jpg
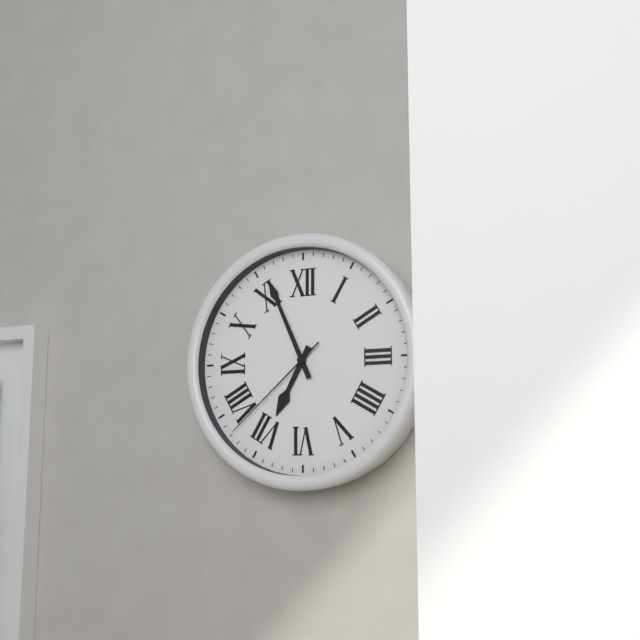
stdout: 6h56m38s
